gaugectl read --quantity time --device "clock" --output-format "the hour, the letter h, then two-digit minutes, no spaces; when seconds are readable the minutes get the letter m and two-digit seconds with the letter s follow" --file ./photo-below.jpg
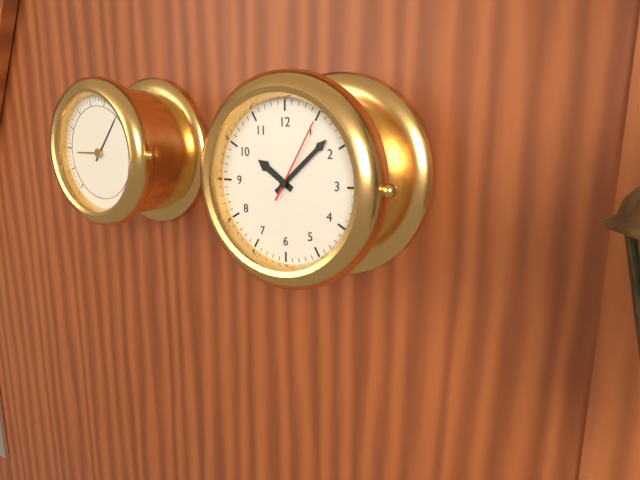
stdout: 10h08m05s
